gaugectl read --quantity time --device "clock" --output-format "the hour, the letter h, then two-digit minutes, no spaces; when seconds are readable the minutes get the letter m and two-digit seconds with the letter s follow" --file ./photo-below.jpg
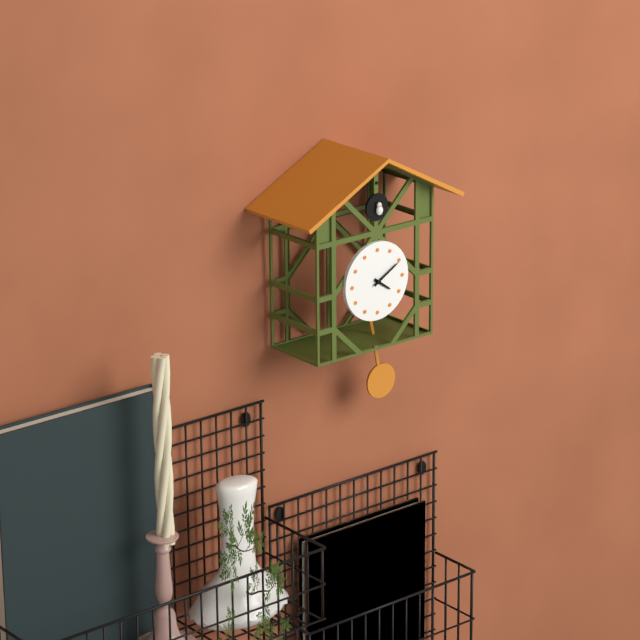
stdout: 4h10
